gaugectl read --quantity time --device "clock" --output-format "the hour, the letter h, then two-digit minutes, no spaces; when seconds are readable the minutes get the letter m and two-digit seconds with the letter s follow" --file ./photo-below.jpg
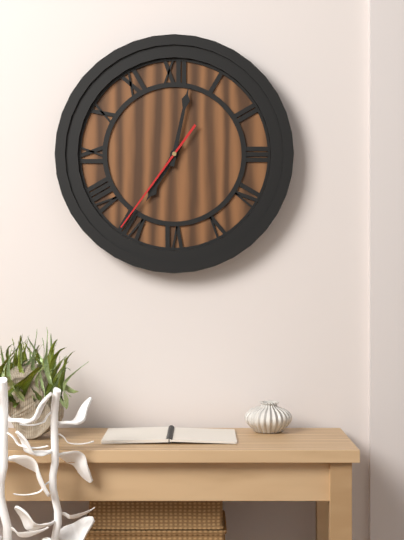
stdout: 7h02m36s
